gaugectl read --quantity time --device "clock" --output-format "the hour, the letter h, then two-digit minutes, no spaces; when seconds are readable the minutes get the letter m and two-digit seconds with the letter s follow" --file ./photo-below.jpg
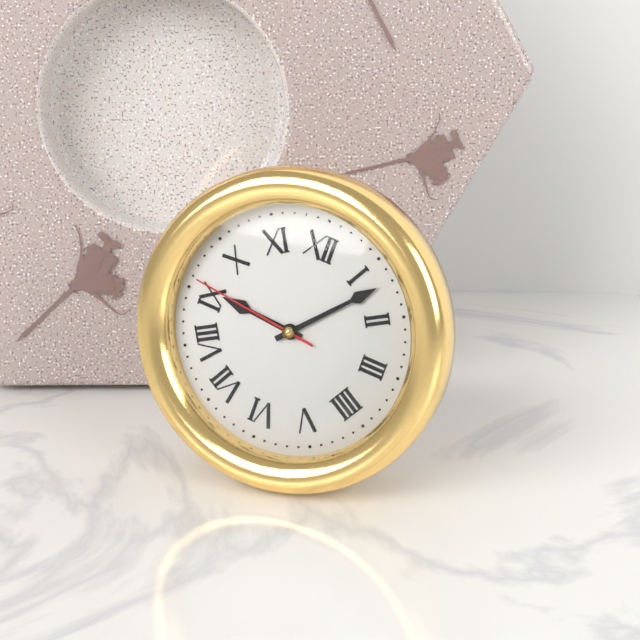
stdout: 9h07m46s
